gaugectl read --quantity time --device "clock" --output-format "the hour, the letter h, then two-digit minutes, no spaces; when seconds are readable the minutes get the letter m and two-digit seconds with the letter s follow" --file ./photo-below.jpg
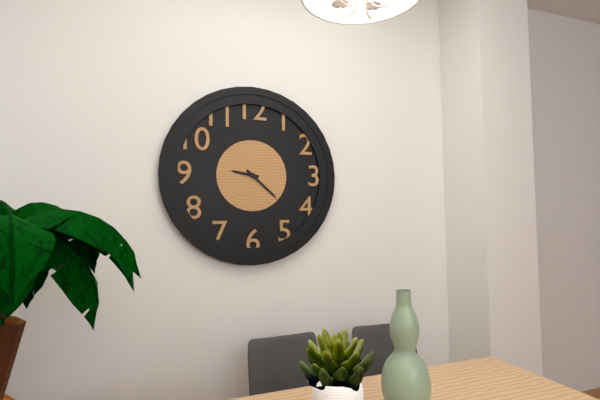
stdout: 9h22
